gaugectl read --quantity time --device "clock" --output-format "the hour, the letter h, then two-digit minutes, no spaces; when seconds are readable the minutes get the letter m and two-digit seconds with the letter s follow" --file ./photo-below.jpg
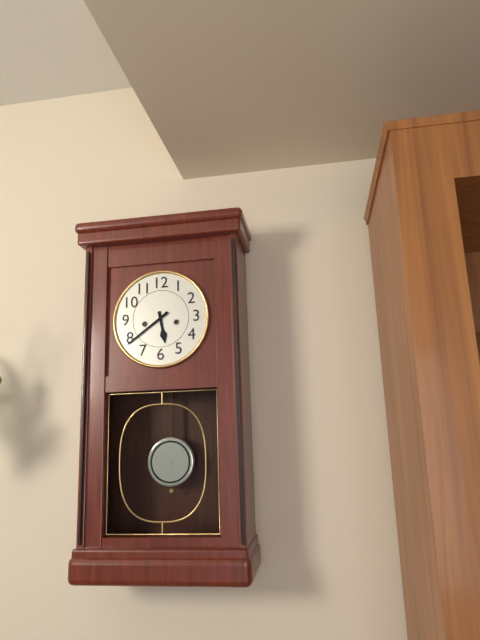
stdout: 5h39
